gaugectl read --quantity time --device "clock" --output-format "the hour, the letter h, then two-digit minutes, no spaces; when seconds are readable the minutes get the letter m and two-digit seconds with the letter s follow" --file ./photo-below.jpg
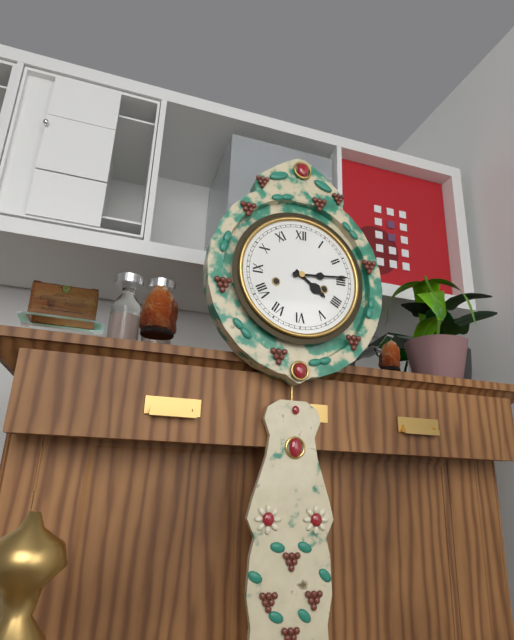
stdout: 4h14
